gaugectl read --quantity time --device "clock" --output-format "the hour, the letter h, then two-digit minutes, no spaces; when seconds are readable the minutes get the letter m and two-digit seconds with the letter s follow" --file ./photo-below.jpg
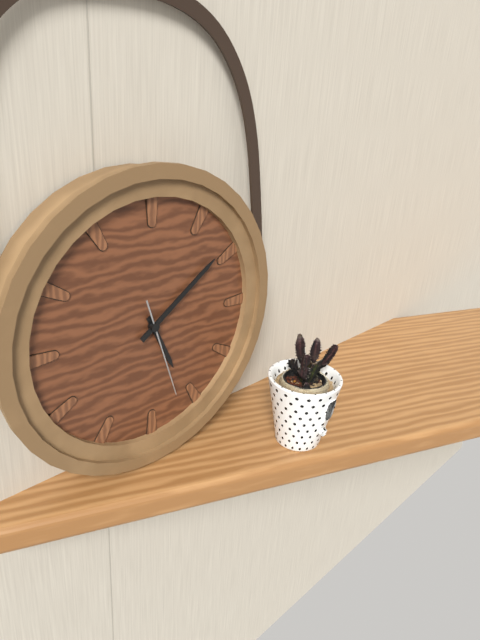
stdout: 5h09m27s
